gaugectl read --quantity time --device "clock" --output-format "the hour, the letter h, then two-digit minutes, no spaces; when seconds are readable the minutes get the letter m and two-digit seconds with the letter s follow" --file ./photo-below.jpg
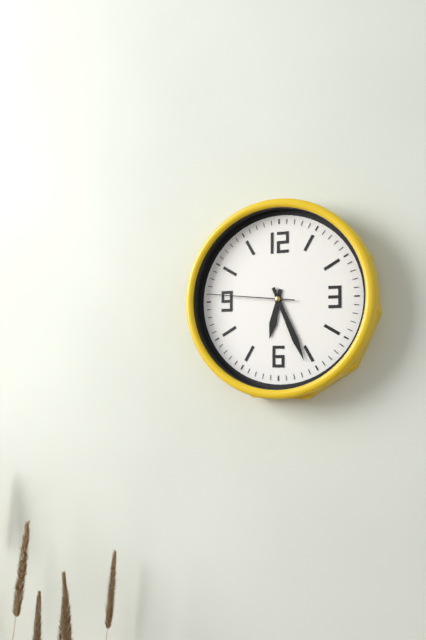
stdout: 6h26m46s
